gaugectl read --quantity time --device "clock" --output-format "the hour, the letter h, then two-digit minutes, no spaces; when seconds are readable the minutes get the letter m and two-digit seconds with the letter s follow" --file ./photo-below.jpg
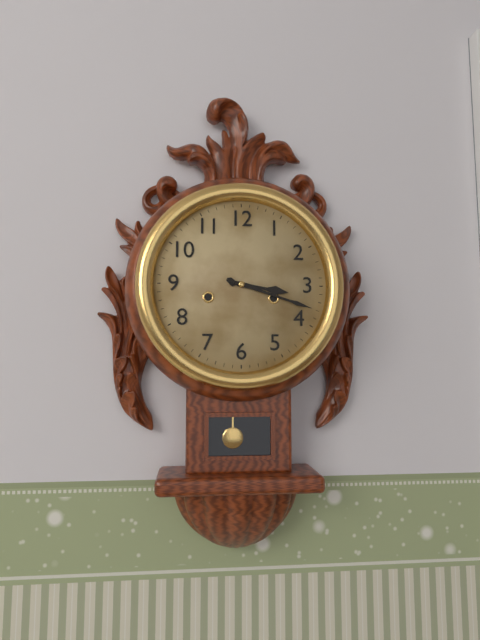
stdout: 3h18
